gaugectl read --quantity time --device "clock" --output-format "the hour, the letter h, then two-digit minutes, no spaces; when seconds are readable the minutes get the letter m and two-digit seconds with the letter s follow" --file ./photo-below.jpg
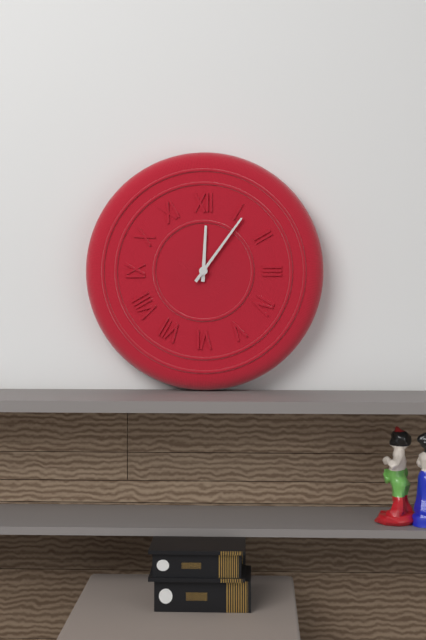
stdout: 12h06
